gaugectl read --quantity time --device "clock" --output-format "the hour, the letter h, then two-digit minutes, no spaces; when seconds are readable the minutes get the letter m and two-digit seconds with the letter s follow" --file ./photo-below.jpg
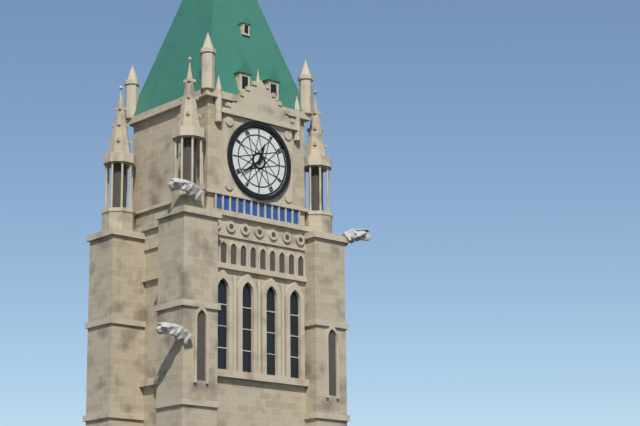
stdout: 12h39
